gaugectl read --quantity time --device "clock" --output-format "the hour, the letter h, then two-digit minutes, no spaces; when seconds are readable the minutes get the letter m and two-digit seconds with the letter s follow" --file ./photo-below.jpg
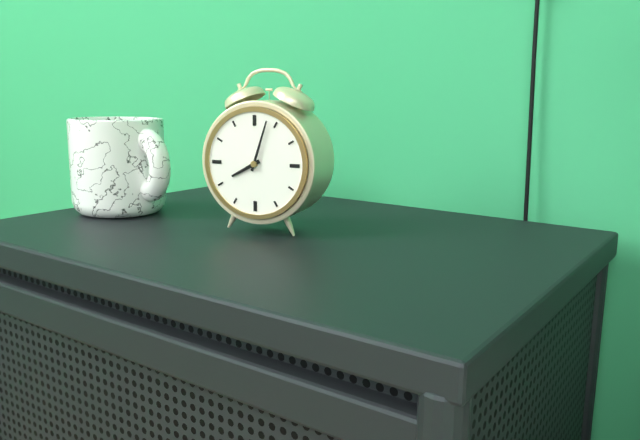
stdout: 8h03
